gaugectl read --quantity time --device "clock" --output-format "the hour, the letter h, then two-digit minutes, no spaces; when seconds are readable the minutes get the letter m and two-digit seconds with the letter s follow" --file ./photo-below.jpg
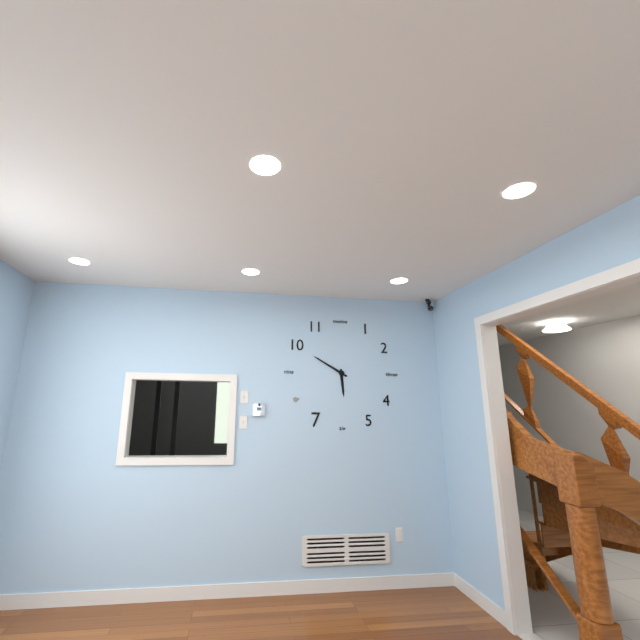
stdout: 5h50
